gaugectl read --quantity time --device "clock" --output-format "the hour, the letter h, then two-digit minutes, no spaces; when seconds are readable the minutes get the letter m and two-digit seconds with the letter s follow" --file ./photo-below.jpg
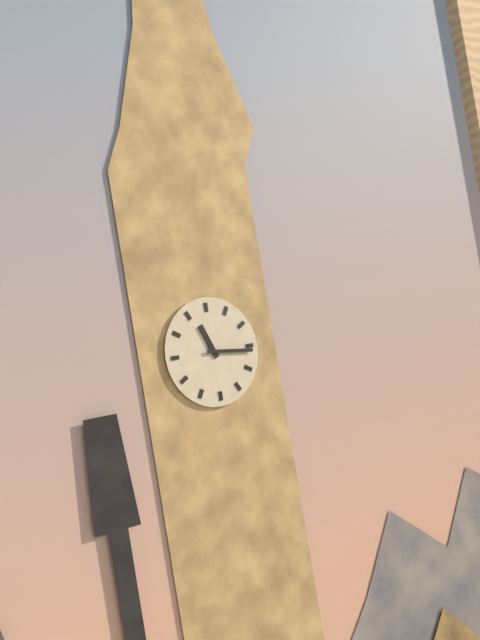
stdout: 11h16
